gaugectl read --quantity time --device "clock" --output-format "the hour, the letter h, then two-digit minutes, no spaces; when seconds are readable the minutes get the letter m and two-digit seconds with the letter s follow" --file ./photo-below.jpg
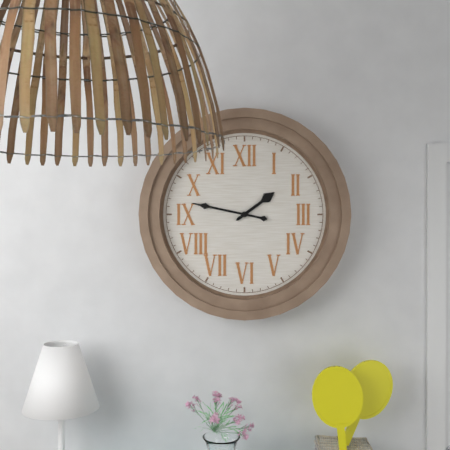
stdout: 1h47
